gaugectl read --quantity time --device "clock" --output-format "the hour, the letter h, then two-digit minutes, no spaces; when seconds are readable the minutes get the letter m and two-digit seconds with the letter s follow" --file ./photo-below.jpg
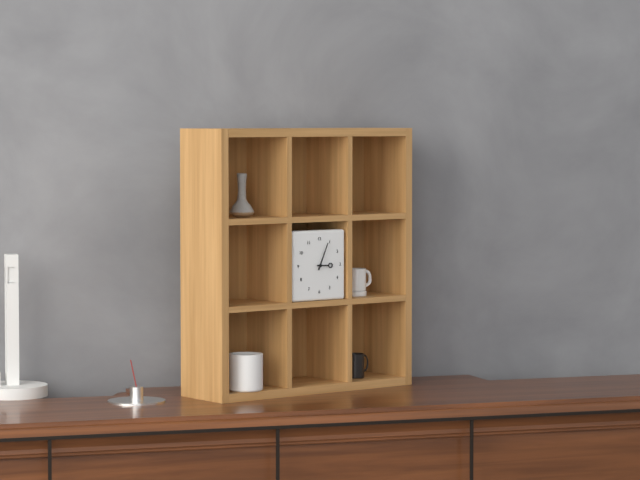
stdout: 3h04
